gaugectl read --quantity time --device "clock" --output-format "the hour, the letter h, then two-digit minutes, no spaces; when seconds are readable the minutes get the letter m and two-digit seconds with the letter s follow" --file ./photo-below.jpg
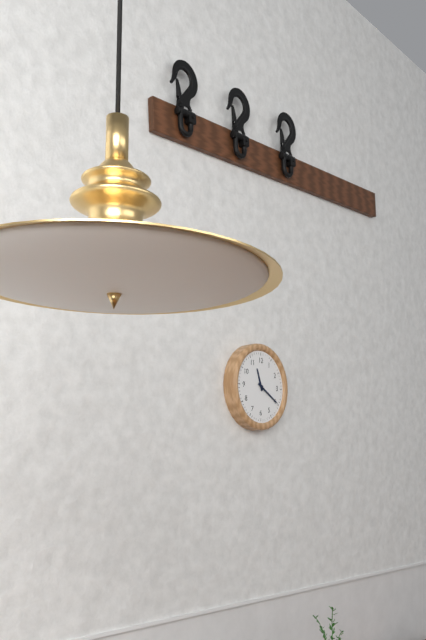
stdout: 11h20
